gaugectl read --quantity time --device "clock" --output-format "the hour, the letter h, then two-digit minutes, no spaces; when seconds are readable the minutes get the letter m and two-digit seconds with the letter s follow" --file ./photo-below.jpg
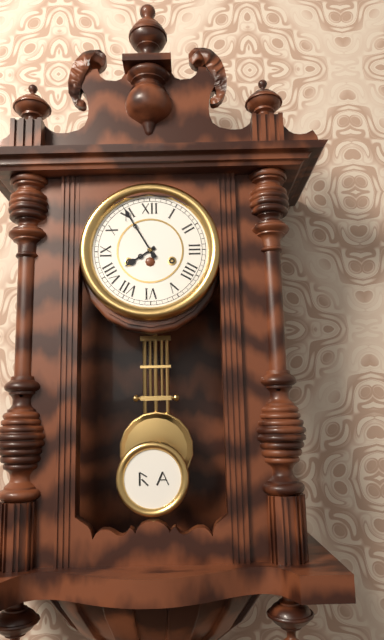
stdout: 7h55
